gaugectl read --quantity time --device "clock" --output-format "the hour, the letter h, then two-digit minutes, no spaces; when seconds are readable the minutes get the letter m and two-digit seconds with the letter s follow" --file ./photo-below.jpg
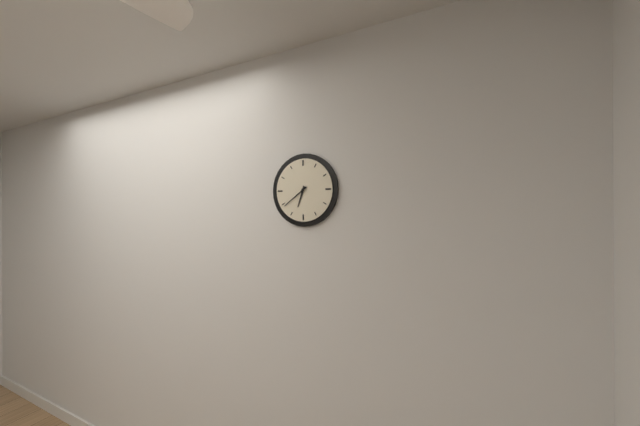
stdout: 6h39
